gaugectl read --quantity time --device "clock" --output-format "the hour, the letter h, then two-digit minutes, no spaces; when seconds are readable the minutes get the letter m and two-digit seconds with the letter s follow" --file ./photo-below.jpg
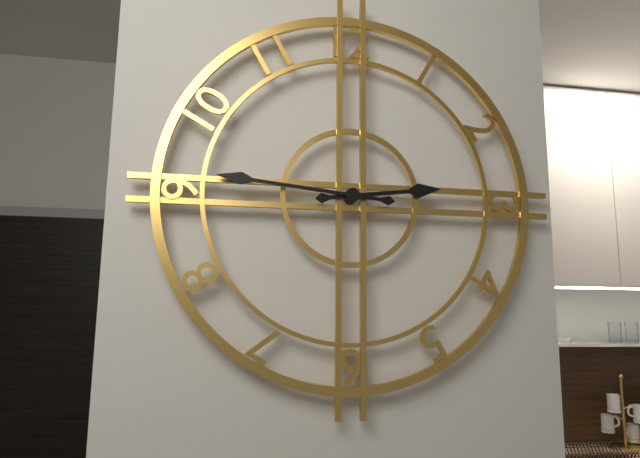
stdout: 2h46
